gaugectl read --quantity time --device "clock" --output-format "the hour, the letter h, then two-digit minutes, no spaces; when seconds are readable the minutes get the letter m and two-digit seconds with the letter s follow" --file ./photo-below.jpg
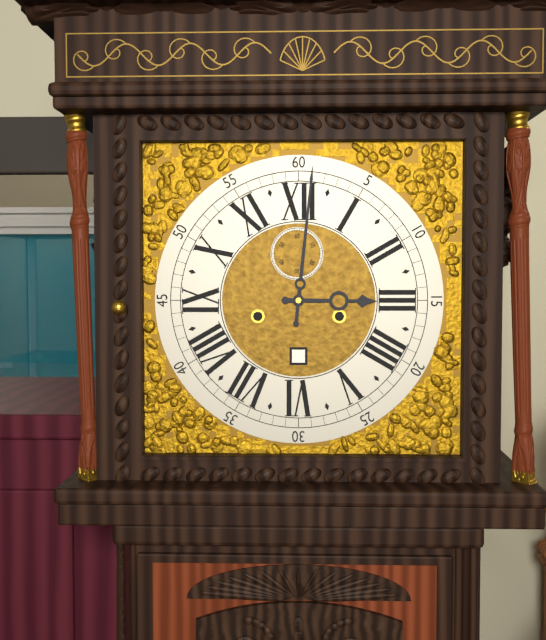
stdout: 3h01
